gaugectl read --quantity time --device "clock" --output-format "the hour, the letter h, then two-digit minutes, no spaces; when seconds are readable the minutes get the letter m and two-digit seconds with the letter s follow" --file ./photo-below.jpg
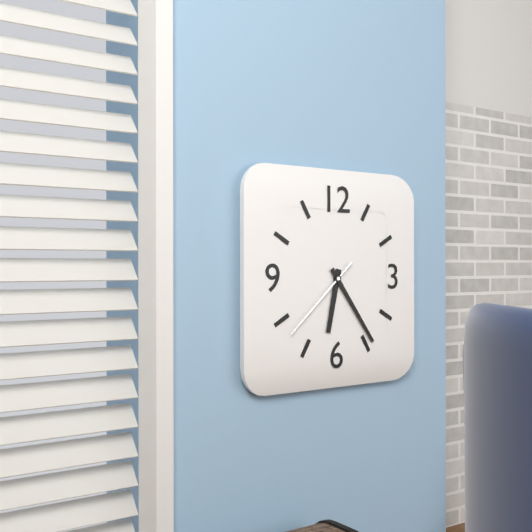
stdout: 6h24m38s
